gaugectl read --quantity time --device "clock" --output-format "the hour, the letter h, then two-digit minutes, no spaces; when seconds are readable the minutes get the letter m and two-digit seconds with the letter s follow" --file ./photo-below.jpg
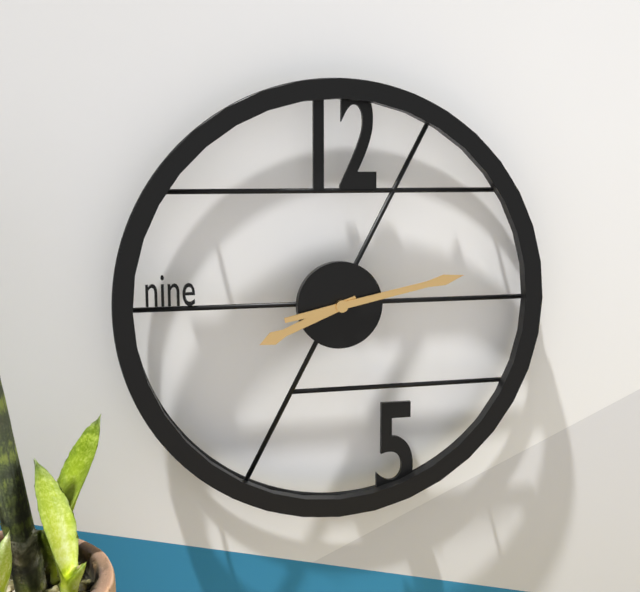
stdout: 8h13
